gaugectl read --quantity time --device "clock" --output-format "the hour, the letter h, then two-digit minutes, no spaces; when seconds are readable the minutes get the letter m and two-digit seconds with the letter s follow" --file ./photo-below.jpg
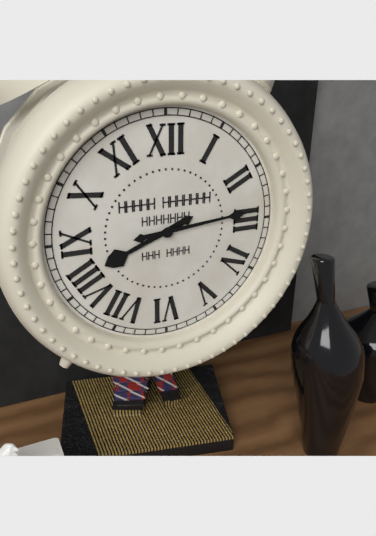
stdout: 8h14
